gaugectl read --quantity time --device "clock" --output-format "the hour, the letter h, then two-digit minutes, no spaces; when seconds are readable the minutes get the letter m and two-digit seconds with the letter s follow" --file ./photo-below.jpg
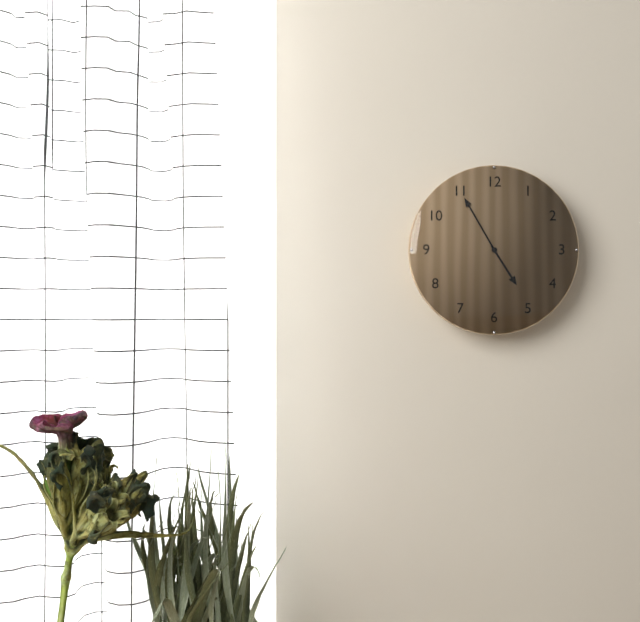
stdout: 4h55
